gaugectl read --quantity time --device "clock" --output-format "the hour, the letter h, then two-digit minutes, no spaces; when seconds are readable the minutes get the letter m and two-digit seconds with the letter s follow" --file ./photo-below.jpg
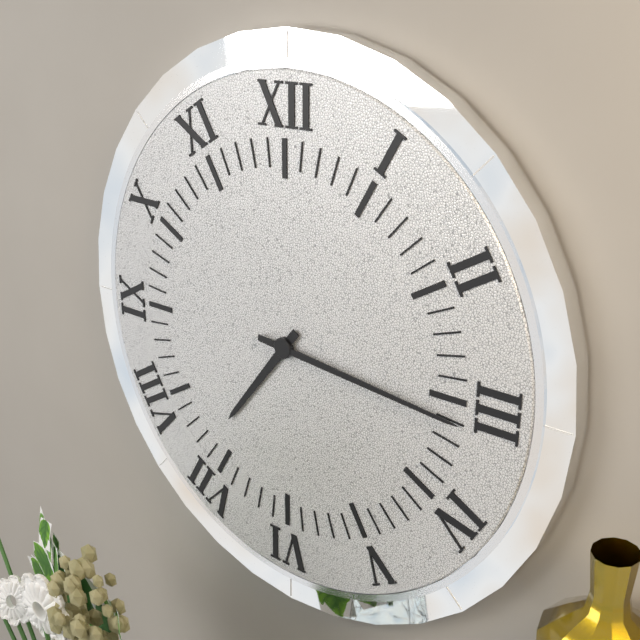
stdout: 7h16
